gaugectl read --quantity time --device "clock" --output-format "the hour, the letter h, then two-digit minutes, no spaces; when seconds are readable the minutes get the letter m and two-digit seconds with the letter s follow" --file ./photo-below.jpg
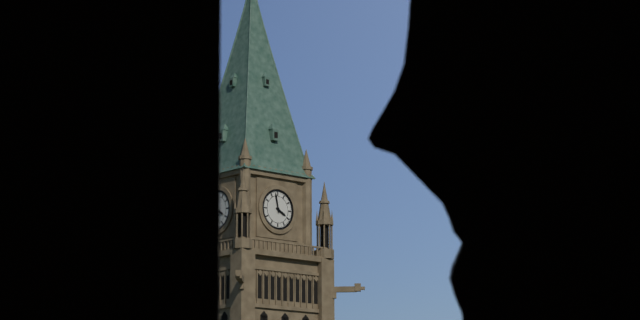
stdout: 3h58
